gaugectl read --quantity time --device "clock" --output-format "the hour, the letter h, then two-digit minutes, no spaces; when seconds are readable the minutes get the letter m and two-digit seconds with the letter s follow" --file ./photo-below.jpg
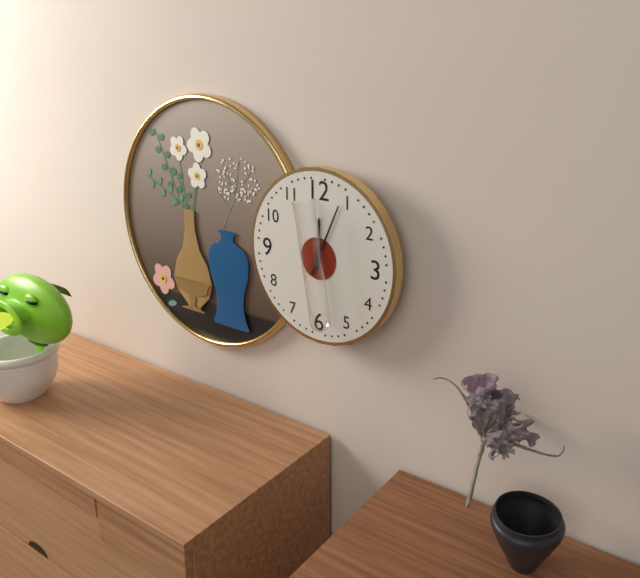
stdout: 12h04
